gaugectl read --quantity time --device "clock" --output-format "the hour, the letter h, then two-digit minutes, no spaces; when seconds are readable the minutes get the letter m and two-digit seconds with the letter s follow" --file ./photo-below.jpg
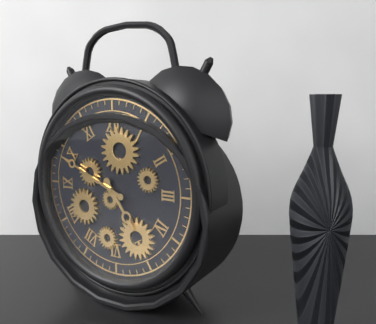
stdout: 4h49
